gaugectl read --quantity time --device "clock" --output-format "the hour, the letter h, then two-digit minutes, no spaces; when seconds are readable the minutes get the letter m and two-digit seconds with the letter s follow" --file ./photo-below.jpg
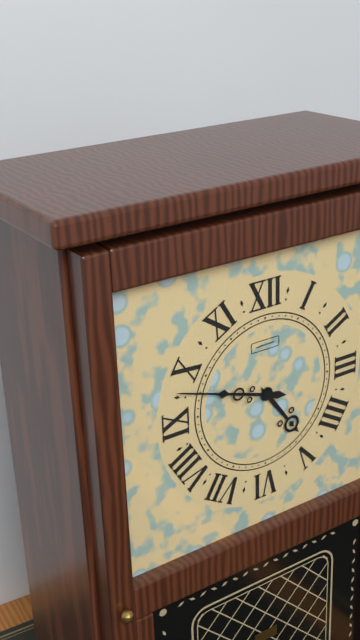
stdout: 4h48
